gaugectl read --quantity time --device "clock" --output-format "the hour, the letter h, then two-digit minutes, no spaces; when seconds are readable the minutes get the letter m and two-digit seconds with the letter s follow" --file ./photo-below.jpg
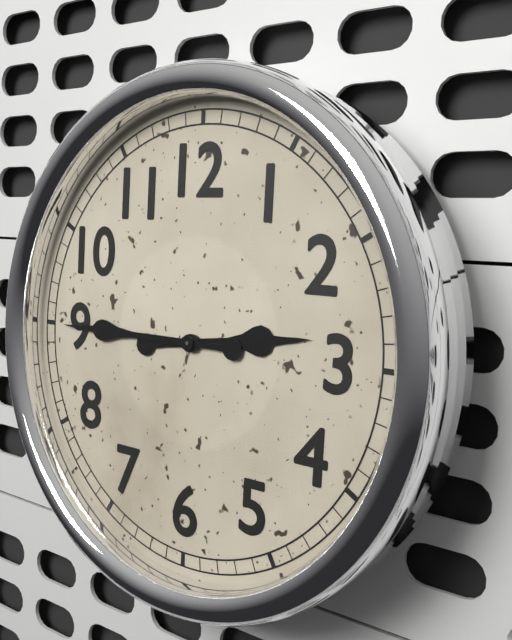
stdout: 2h45
